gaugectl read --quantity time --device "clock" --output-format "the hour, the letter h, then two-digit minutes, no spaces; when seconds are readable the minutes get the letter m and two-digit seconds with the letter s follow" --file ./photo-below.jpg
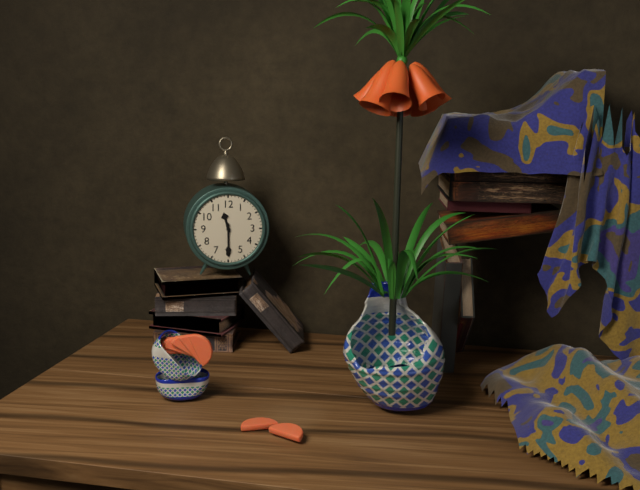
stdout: 11h30
